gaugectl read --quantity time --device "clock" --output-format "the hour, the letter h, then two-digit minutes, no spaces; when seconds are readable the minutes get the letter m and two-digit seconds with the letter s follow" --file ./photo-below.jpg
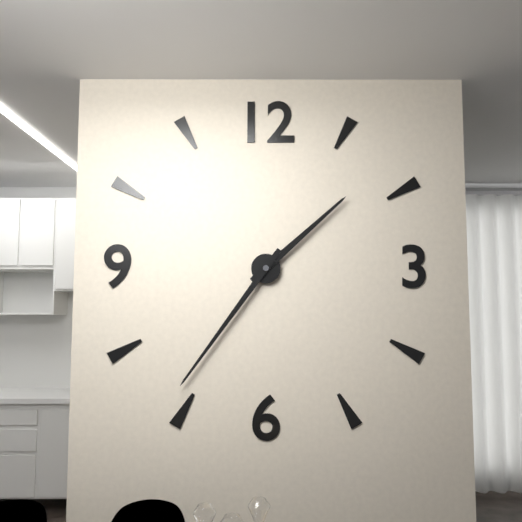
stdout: 1h36
